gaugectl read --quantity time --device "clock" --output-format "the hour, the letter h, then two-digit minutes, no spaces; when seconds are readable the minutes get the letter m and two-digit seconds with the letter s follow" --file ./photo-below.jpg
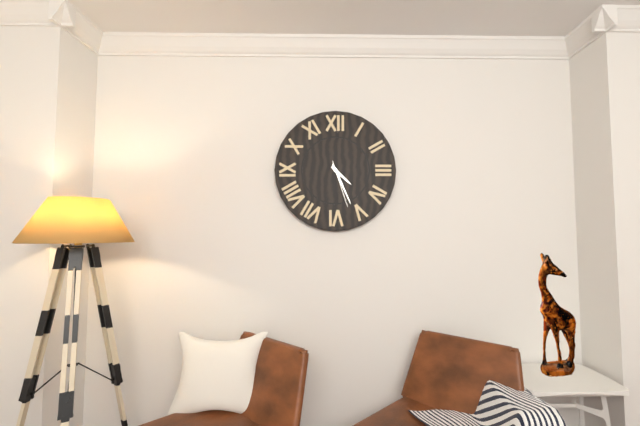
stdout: 4h26
